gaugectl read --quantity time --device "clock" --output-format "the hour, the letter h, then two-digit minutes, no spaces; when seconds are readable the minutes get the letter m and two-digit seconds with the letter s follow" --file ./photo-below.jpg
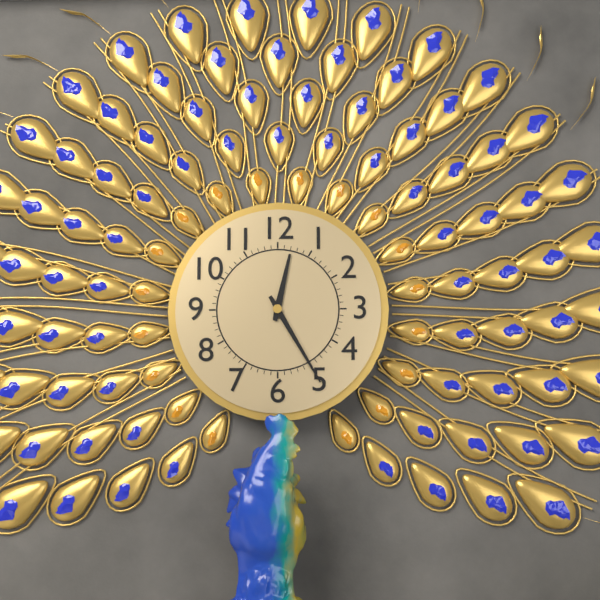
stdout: 12h25
